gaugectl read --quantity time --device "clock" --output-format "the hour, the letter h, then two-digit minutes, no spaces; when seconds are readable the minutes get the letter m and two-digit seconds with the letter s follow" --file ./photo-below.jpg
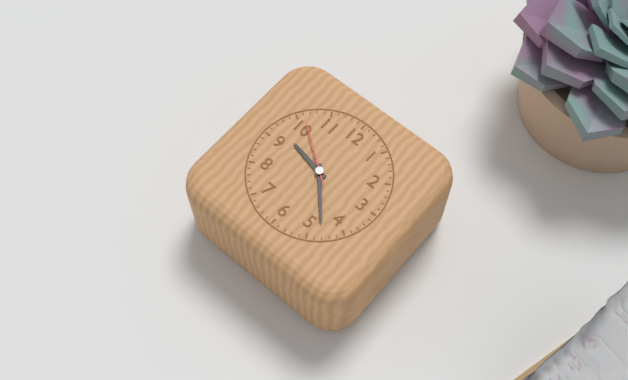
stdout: 9h23m51s
